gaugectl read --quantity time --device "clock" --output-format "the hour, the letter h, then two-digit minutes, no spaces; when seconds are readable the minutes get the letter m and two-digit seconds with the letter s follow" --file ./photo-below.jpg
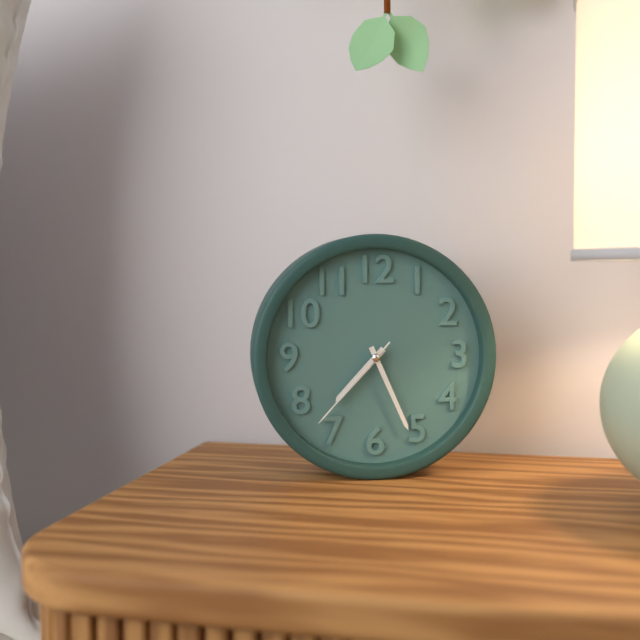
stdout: 7h26m37s
